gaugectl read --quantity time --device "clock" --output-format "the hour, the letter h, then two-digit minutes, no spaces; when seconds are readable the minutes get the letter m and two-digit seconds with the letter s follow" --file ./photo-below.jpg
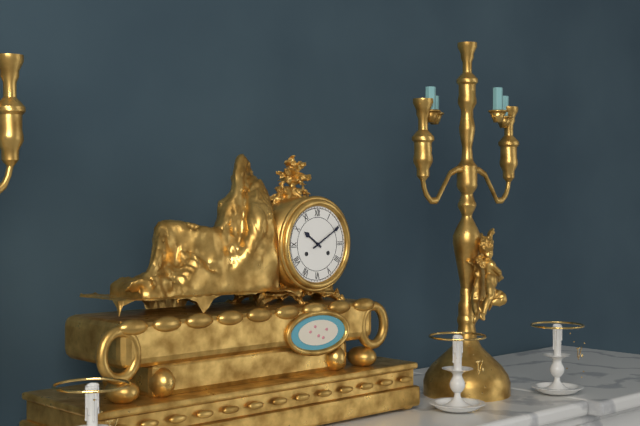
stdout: 10h10
